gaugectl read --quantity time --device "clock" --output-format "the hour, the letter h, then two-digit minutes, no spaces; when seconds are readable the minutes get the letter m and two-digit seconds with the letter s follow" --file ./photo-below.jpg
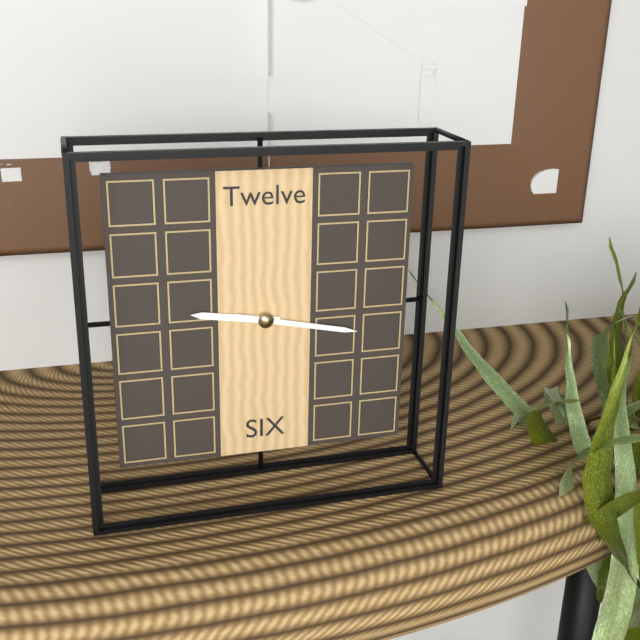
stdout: 9h17
